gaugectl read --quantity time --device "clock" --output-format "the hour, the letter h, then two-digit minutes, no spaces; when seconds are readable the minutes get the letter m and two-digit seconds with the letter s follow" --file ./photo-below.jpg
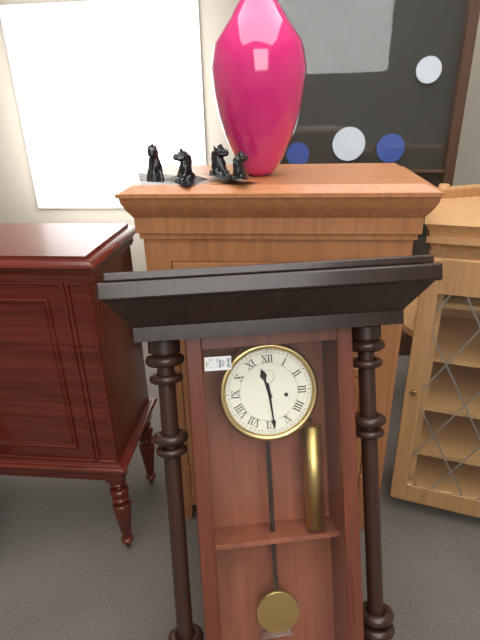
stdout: 11h29
